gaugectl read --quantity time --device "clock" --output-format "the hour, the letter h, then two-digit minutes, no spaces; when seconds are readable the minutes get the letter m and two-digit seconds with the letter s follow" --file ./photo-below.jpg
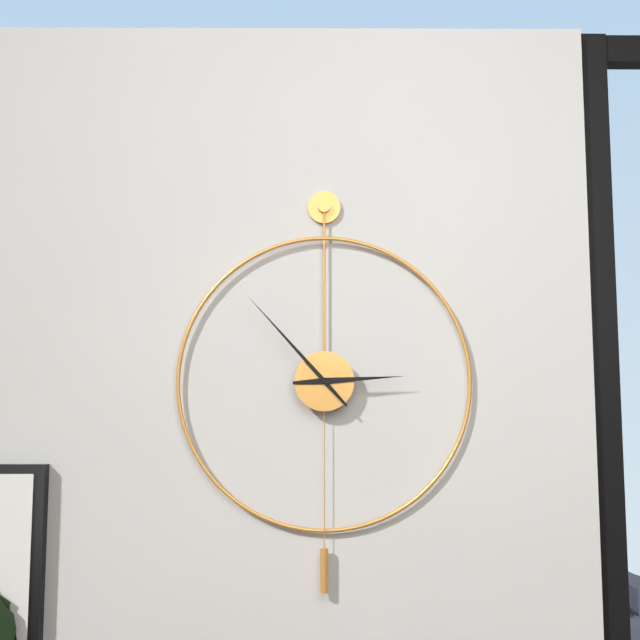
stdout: 2h53
